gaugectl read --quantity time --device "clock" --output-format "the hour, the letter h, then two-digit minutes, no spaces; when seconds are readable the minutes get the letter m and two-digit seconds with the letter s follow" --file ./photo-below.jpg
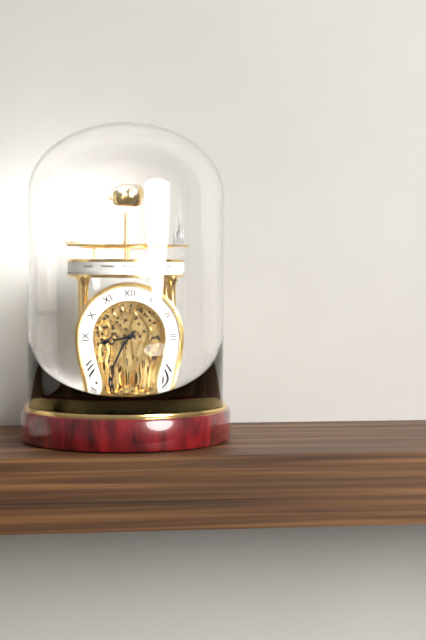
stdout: 8h37
